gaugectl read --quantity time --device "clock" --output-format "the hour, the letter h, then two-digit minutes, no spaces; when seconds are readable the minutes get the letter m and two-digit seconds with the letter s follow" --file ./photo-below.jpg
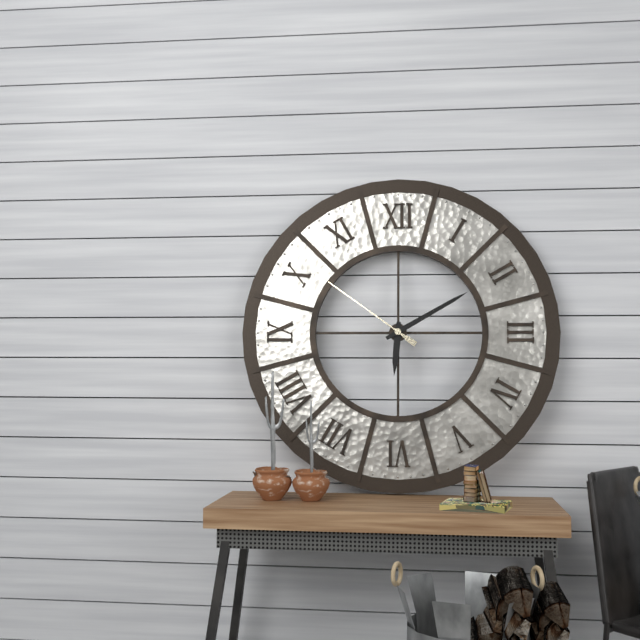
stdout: 6h10m51s
